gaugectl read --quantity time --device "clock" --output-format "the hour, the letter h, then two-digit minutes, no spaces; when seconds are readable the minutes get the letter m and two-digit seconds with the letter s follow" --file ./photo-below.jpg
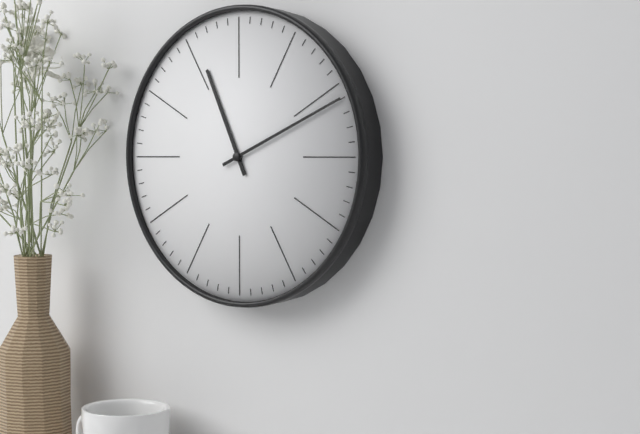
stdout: 11h11
